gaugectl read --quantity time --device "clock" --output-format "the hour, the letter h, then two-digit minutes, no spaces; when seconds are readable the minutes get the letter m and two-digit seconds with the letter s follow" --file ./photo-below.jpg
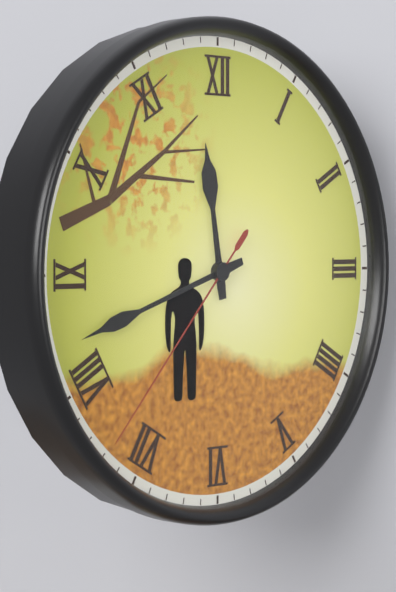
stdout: 11h42m37s
